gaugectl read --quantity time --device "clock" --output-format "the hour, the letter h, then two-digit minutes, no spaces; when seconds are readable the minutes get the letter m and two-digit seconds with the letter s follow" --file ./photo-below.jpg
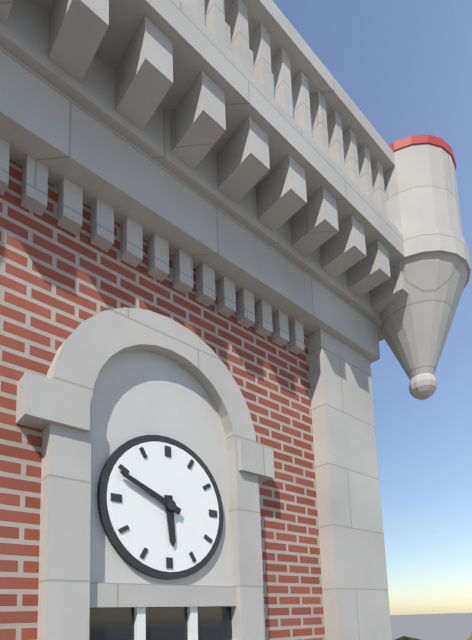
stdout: 5h49
